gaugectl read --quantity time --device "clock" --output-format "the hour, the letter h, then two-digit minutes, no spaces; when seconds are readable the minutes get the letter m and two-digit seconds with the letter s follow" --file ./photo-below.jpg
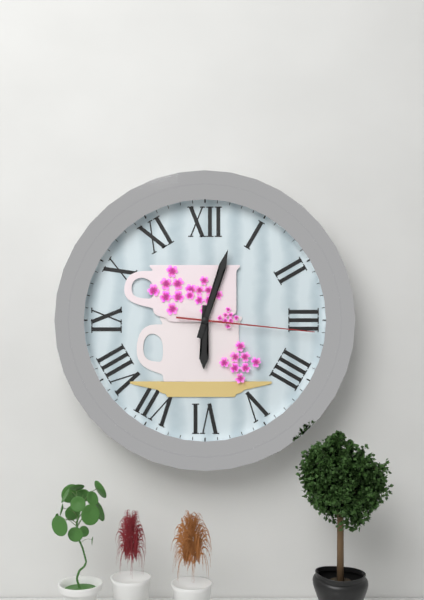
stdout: 6h03m16s
